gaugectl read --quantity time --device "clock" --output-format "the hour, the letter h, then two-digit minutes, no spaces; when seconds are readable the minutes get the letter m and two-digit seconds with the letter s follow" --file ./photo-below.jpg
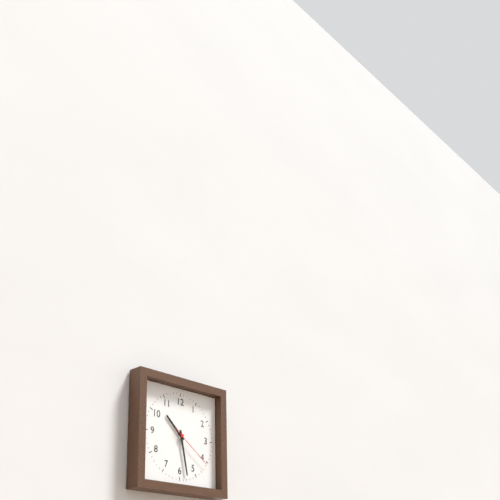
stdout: 10h28
